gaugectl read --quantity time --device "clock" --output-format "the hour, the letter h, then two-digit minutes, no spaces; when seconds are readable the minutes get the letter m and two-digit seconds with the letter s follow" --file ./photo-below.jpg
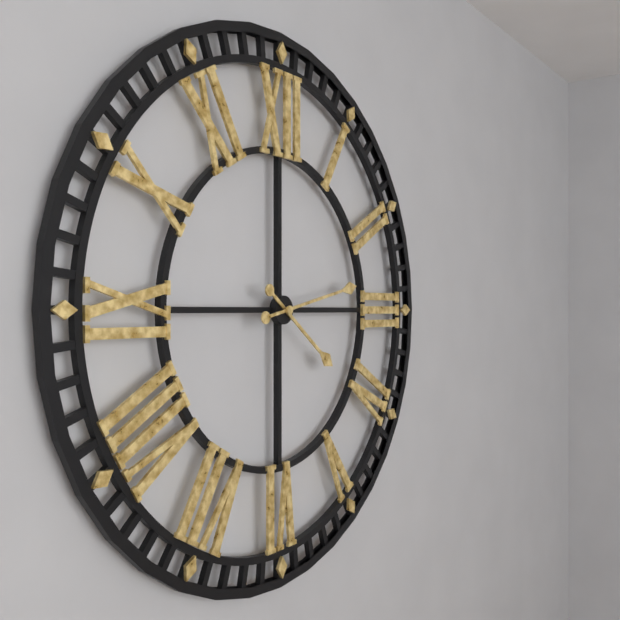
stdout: 4h13
